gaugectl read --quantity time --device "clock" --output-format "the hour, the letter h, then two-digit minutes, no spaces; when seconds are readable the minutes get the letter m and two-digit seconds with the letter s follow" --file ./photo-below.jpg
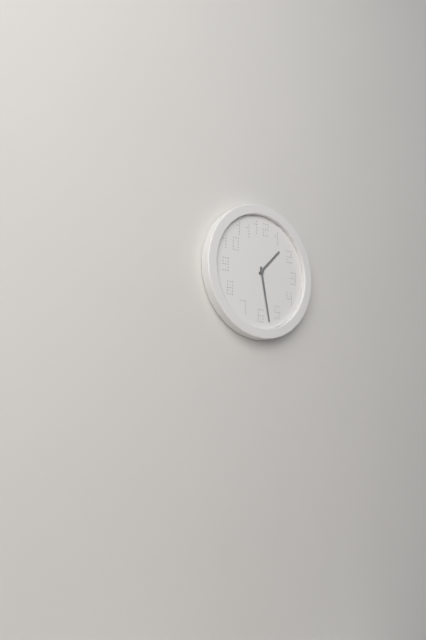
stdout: 1h28
